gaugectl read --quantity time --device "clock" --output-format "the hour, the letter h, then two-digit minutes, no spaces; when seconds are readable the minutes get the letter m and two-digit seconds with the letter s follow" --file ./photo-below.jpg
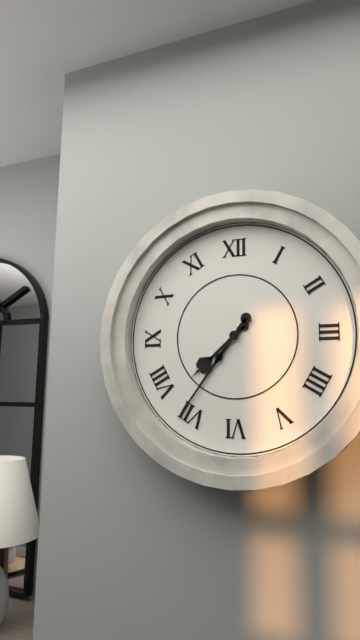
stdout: 7h36
